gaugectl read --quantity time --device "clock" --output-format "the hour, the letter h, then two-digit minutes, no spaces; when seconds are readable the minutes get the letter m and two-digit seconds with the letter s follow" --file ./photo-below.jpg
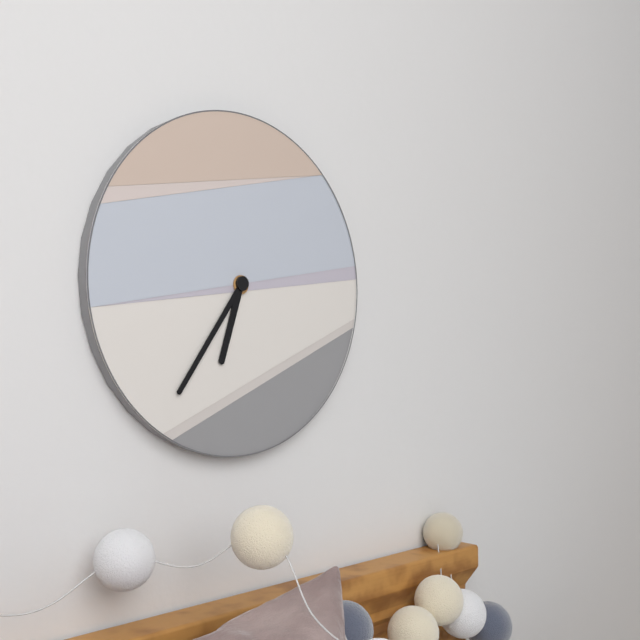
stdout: 6h36
